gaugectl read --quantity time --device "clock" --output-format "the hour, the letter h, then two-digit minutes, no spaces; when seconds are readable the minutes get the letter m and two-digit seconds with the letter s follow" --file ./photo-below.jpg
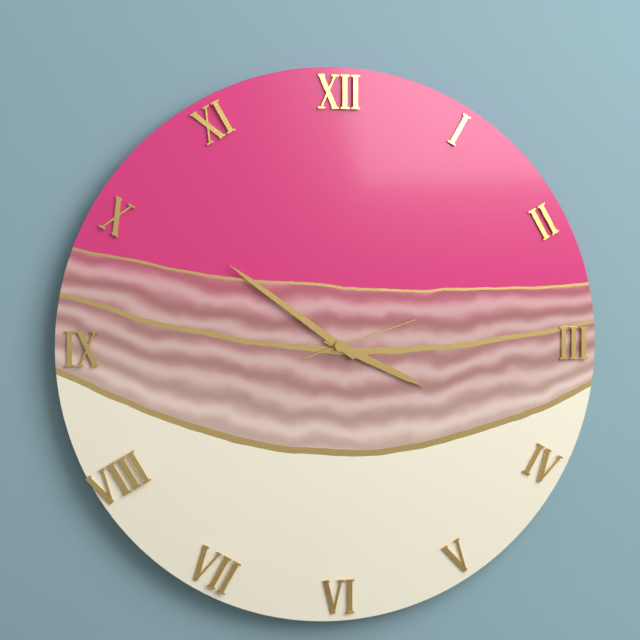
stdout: 3h51m12s
